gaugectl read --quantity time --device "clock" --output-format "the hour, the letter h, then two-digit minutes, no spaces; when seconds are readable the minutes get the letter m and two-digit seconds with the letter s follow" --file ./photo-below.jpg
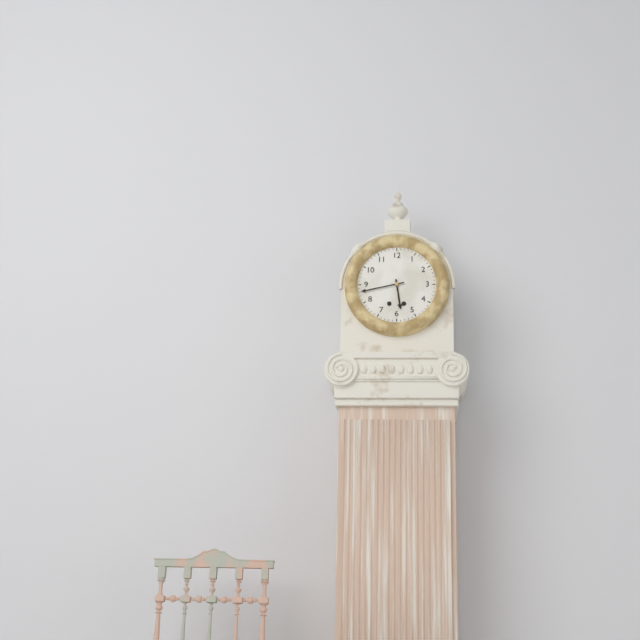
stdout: 5h43
